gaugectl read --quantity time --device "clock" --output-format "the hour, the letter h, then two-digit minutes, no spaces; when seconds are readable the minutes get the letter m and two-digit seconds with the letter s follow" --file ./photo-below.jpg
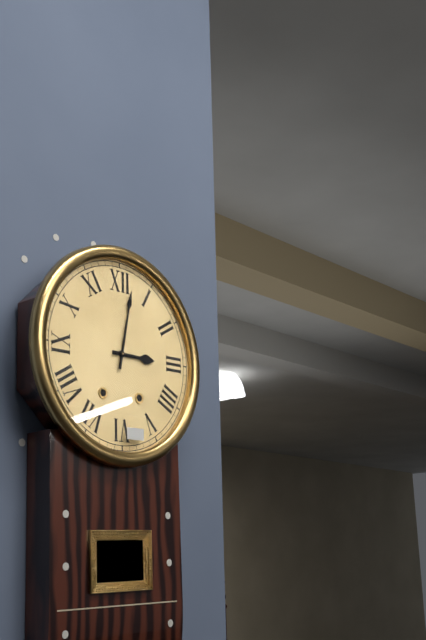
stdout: 3h02
